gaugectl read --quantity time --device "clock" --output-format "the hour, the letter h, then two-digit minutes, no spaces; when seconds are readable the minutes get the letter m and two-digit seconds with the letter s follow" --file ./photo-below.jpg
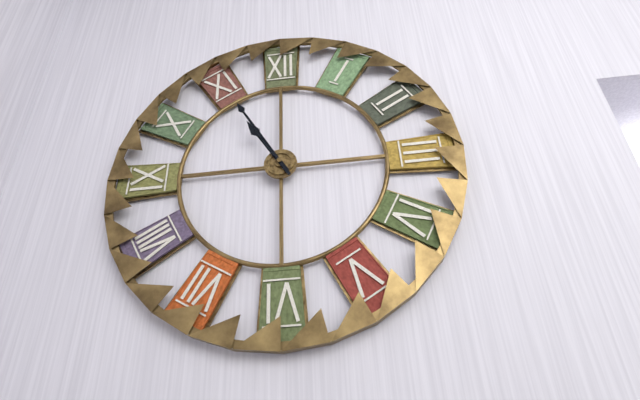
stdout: 10h55
